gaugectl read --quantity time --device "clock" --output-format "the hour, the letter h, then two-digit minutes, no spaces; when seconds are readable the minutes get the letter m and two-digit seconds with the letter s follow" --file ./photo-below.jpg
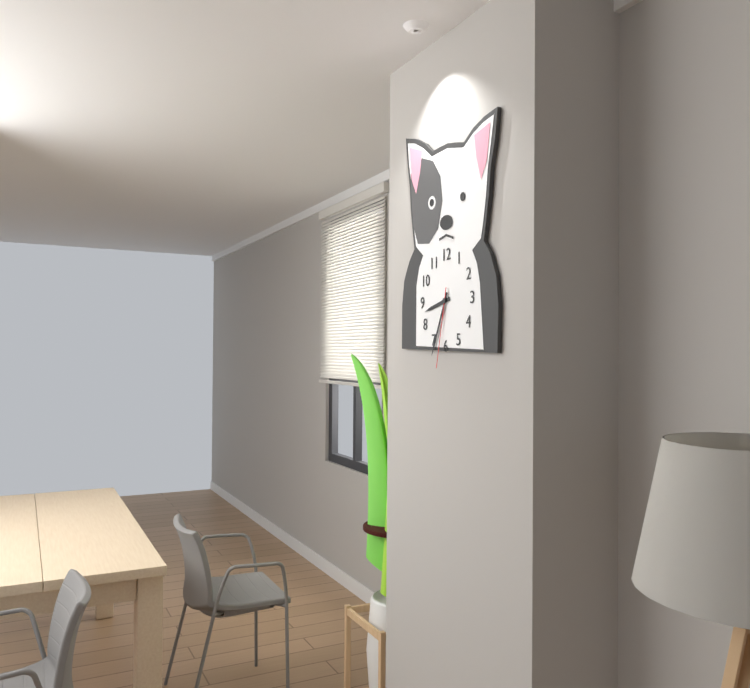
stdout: 8h34m32s
